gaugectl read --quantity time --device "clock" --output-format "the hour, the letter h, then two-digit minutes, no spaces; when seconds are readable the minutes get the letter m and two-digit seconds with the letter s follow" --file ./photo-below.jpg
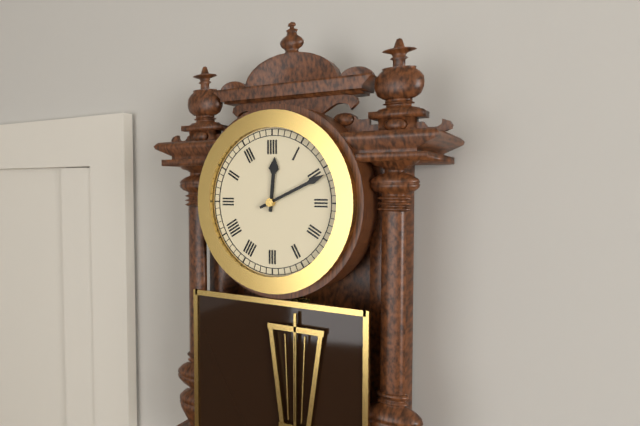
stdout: 12h11
